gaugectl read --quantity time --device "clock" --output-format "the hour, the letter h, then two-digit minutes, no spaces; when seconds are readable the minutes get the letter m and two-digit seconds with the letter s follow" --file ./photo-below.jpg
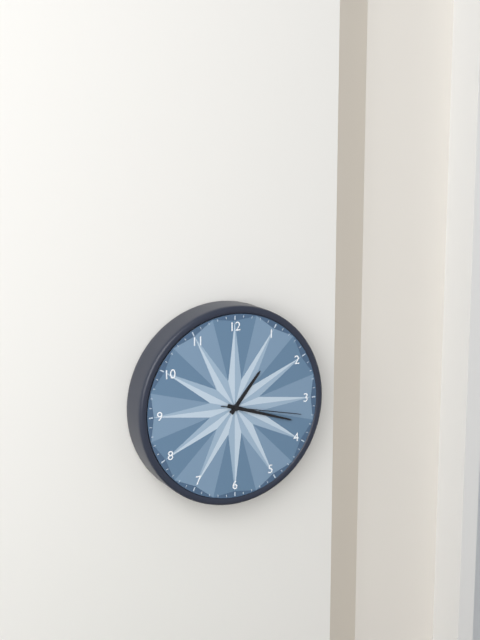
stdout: 1h18m17s
